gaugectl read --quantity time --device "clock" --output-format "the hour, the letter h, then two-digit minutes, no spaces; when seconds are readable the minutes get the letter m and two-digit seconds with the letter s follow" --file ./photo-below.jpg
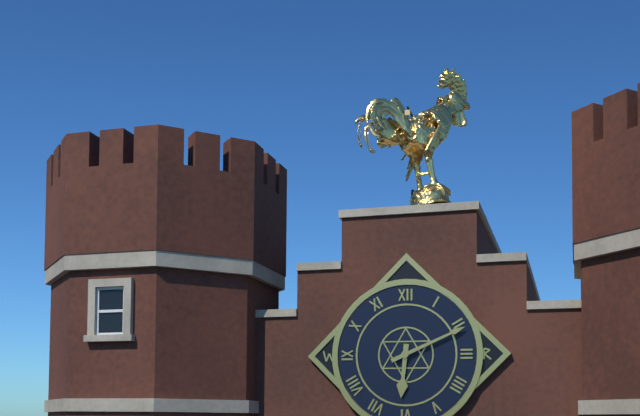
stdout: 6h11
